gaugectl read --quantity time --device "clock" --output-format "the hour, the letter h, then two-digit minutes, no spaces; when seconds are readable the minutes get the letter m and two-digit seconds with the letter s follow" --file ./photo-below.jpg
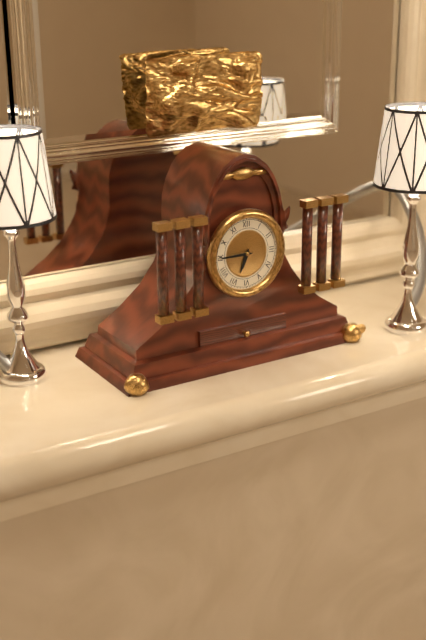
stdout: 6h45
